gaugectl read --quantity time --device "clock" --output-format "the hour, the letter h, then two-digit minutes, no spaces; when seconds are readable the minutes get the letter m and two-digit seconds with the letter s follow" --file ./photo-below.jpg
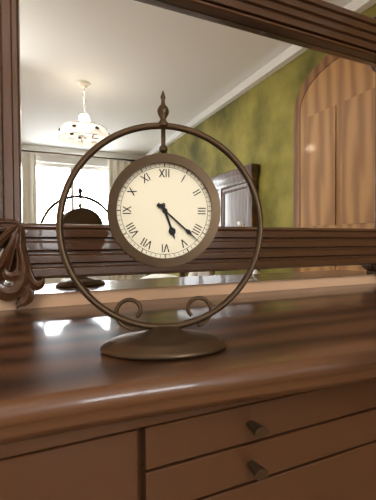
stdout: 5h22
